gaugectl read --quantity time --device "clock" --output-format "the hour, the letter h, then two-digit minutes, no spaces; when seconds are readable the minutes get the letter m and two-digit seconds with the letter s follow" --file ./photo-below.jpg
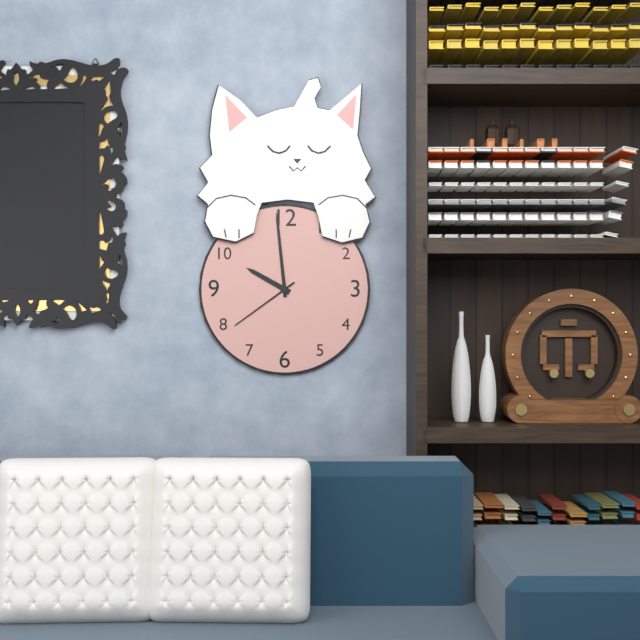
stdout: 9h59m39s
